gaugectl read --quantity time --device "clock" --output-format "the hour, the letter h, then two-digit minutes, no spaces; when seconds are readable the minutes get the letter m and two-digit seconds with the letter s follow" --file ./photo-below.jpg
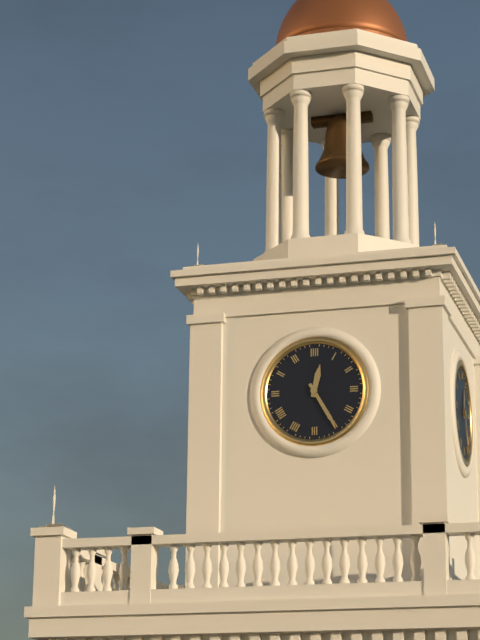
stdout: 12h25
